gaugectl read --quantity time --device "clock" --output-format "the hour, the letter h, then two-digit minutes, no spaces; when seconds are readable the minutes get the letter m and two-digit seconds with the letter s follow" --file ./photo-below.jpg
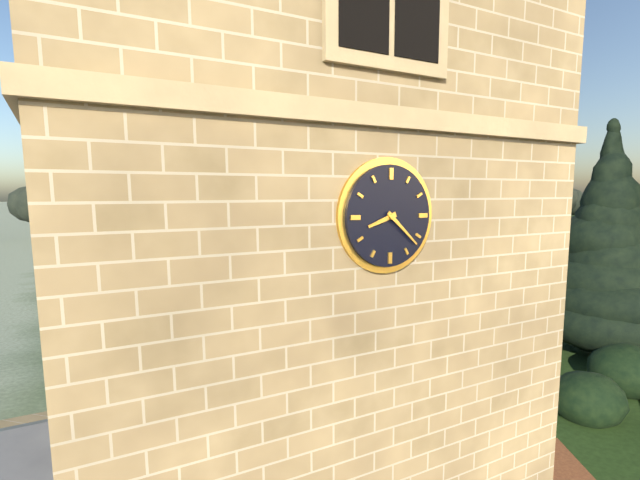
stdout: 8h22
